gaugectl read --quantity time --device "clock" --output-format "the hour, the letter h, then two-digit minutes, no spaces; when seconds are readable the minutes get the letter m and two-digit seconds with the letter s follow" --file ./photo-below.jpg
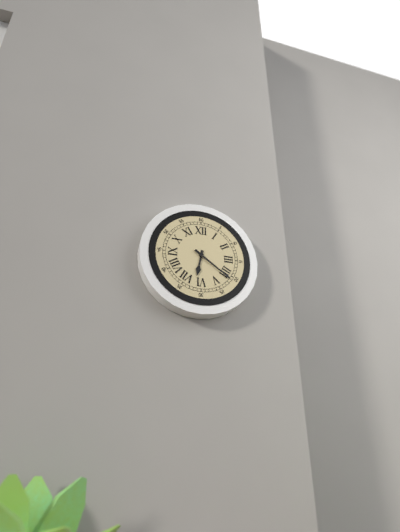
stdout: 6h21
